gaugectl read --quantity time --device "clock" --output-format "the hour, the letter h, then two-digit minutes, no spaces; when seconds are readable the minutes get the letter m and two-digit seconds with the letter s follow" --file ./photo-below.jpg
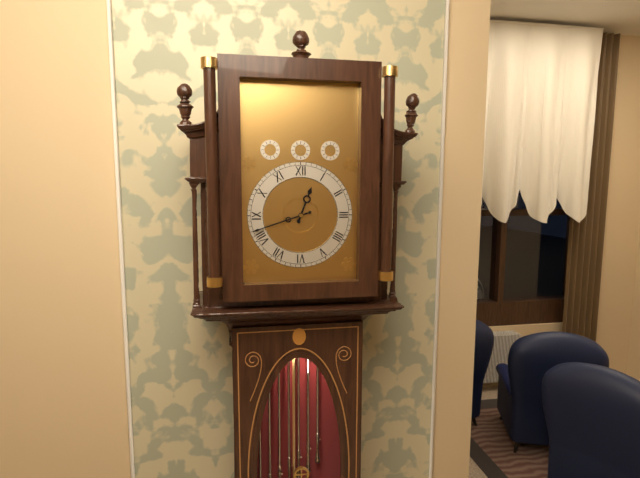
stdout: 12h42
